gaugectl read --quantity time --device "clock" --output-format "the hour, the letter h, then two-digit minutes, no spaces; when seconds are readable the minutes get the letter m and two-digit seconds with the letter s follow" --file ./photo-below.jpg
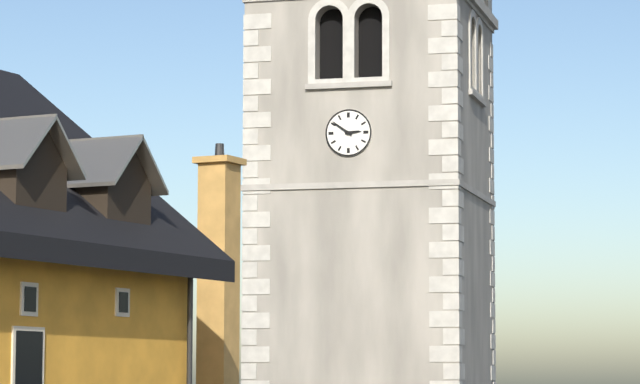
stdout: 2h51
